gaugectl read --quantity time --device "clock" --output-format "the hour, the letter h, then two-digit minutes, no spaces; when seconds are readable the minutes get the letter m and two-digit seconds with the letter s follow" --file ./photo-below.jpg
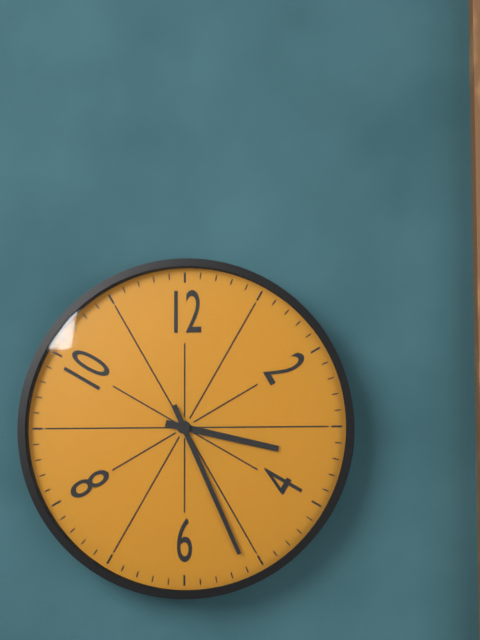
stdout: 3h26
